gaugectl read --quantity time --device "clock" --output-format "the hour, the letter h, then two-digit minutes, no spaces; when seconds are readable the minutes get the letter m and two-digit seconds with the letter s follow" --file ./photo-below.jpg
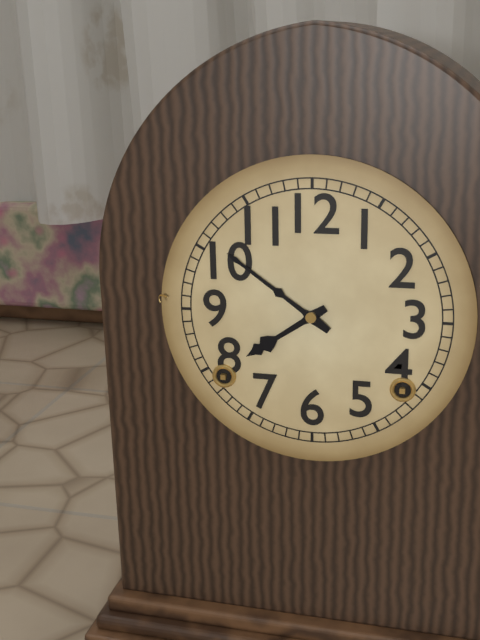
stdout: 7h51
